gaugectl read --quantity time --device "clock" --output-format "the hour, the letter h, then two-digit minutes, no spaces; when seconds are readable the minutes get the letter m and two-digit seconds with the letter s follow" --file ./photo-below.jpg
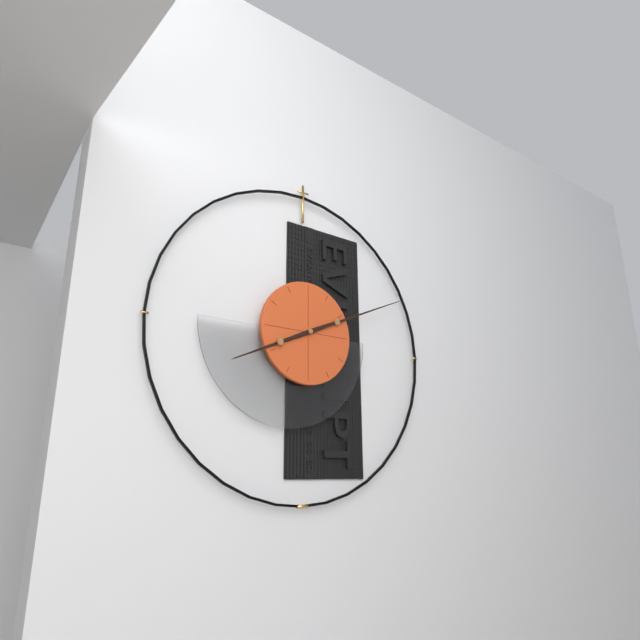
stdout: 8h11
